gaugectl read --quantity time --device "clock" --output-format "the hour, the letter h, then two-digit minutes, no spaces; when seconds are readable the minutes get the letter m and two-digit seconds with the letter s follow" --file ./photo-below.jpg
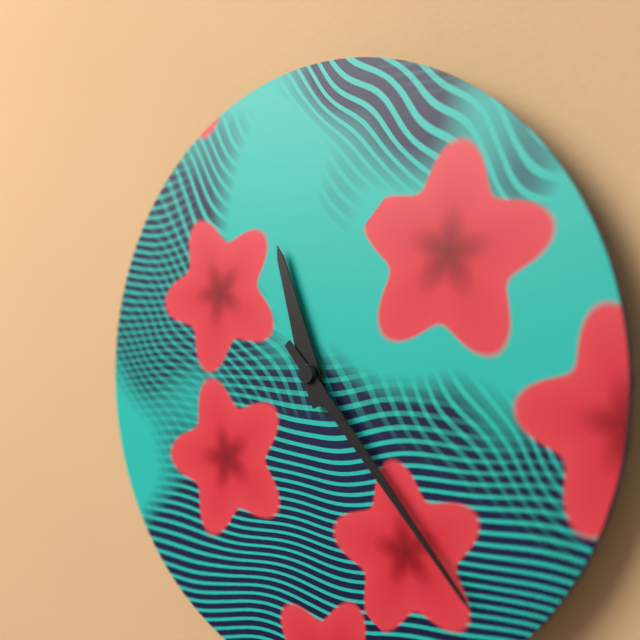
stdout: 11h23
